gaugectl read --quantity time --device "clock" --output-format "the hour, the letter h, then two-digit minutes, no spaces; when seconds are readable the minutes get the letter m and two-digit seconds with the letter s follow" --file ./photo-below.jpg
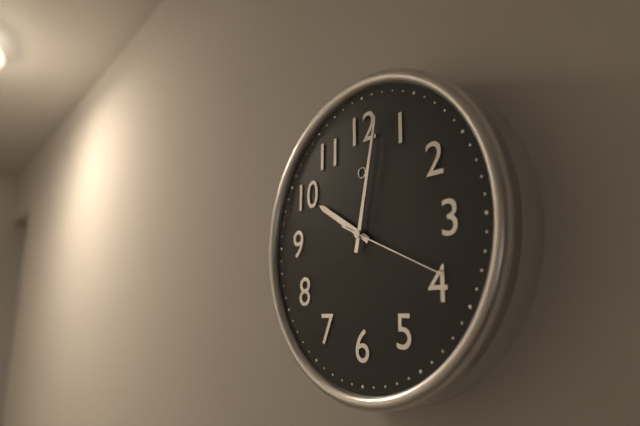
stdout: 10h02m19s
